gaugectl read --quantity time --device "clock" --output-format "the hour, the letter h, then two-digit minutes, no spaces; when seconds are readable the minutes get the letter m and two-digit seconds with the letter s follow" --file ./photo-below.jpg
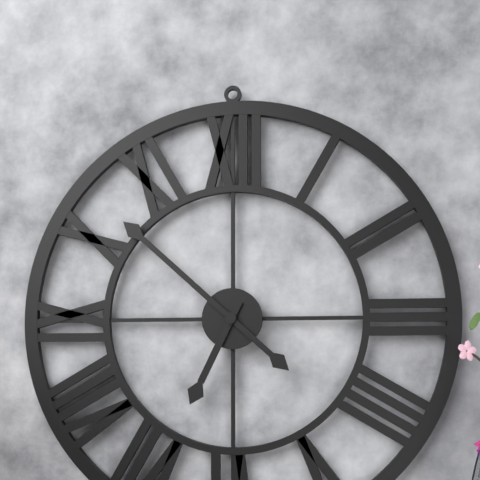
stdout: 6h52
